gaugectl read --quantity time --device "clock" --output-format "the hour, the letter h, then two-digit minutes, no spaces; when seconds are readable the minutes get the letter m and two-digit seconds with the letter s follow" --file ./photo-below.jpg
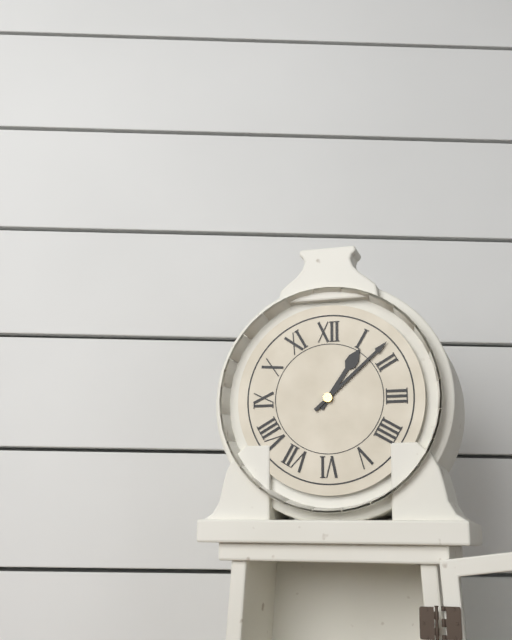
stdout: 1h08
